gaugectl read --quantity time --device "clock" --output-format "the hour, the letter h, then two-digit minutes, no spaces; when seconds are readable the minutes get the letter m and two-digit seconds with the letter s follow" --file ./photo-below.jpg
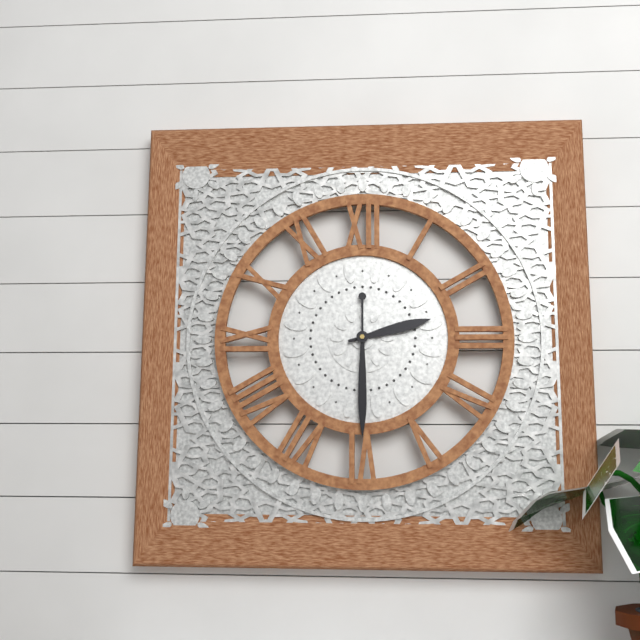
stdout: 2h30
